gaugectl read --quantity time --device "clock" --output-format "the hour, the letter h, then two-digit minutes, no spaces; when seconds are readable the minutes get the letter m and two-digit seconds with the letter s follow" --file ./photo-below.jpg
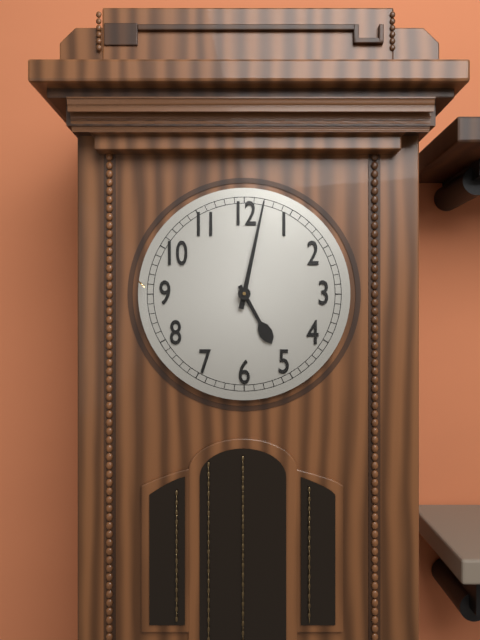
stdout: 5h02
